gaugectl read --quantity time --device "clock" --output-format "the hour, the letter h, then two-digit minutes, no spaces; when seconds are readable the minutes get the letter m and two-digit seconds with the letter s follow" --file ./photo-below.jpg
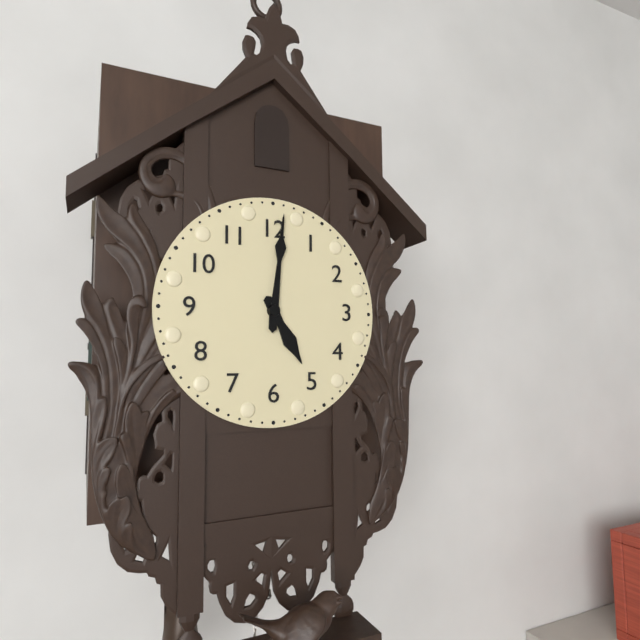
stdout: 5h01
